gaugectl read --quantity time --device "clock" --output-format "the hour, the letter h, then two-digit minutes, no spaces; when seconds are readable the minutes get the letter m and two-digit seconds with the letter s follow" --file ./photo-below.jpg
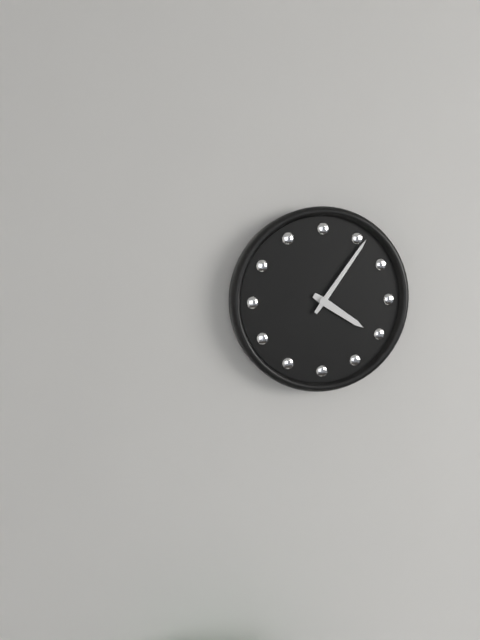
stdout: 4h06
